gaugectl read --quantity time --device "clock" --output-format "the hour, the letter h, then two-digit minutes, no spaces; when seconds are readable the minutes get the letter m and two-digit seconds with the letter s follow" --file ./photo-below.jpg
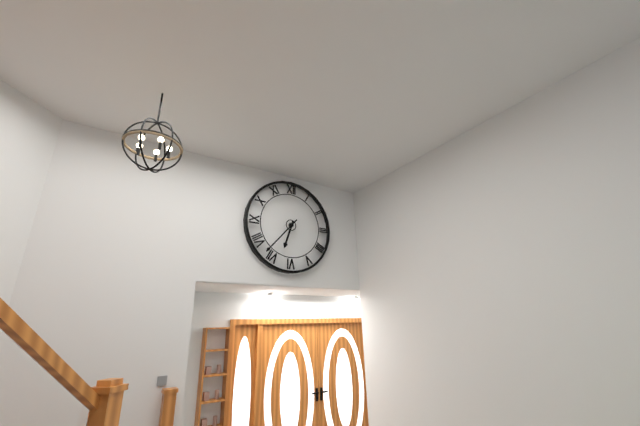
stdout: 6h37
